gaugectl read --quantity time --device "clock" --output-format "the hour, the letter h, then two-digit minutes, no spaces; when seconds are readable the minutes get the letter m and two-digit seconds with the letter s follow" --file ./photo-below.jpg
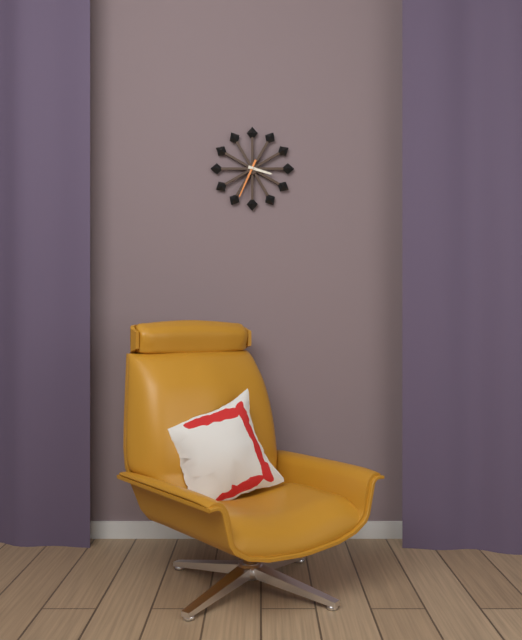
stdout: 3h34
